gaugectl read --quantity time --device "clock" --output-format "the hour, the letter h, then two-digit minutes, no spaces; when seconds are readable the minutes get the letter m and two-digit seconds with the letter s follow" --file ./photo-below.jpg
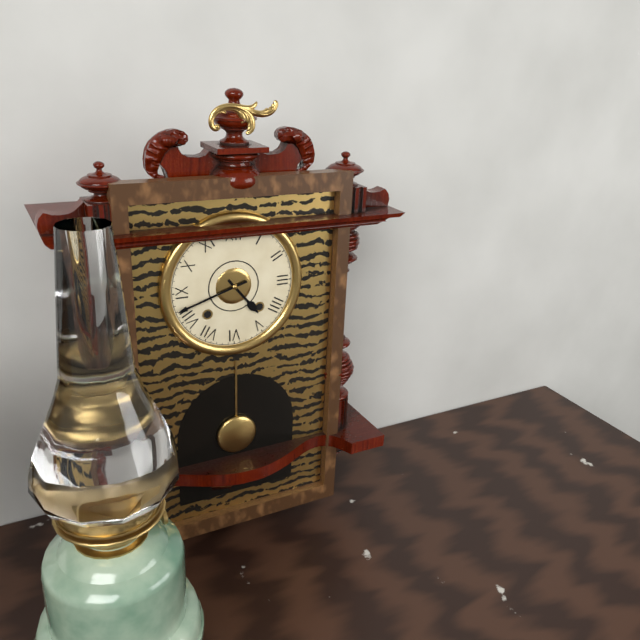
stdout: 4h42
